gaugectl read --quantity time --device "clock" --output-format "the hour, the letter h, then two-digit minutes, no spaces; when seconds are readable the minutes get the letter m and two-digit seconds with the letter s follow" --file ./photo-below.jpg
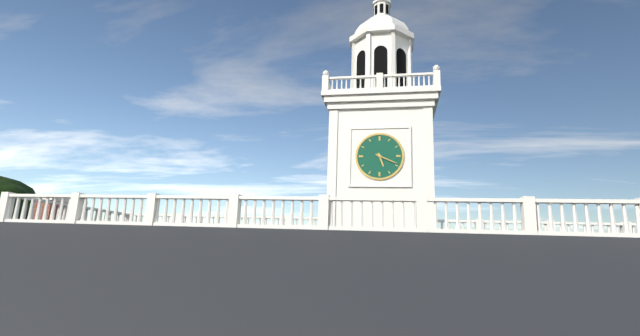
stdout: 5h19
